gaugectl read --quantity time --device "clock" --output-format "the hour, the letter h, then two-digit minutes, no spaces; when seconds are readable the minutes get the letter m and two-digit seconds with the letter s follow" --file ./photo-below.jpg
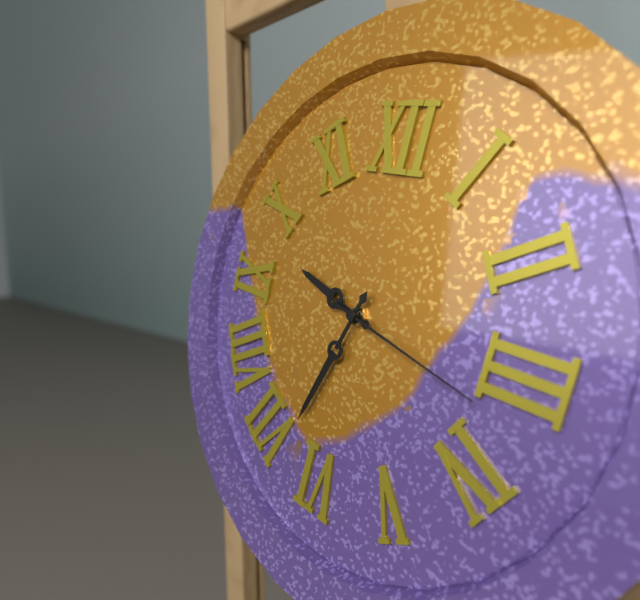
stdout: 9h33m17s
